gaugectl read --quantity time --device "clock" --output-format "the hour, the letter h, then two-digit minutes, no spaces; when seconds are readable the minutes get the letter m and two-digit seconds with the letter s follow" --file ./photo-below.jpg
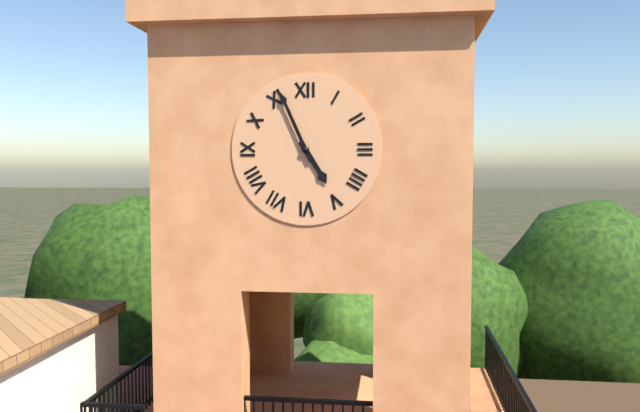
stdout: 4h56
